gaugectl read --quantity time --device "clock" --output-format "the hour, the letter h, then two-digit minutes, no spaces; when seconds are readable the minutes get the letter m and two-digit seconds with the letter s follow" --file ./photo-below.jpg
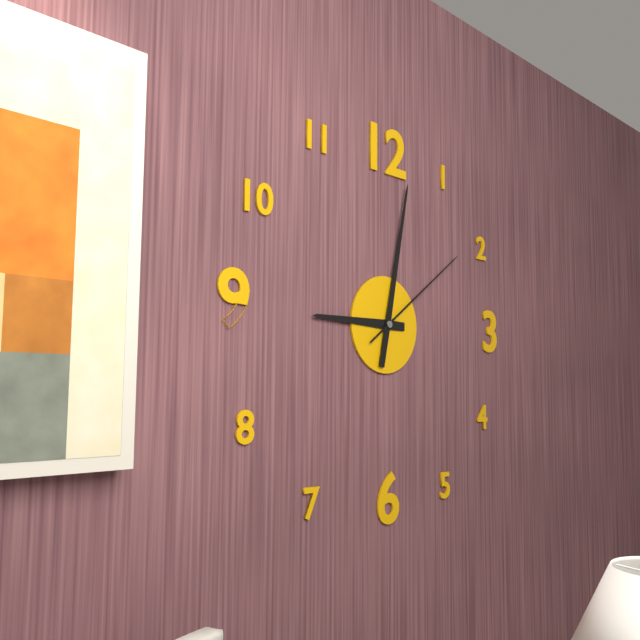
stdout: 9h02m09s
